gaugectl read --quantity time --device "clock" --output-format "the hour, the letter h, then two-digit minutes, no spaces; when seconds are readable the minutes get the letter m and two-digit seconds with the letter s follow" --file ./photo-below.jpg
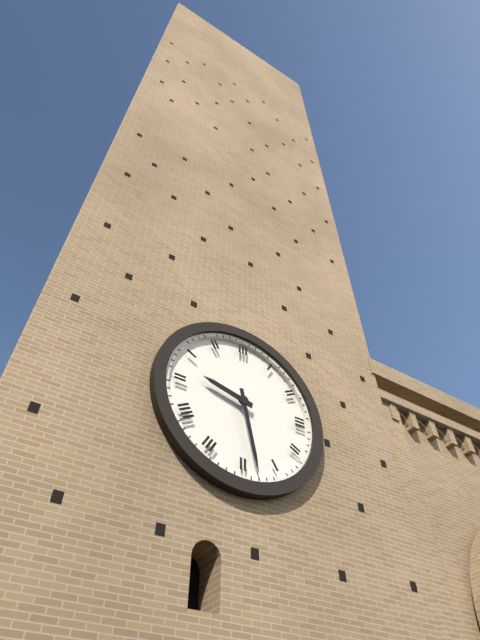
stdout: 9h28
